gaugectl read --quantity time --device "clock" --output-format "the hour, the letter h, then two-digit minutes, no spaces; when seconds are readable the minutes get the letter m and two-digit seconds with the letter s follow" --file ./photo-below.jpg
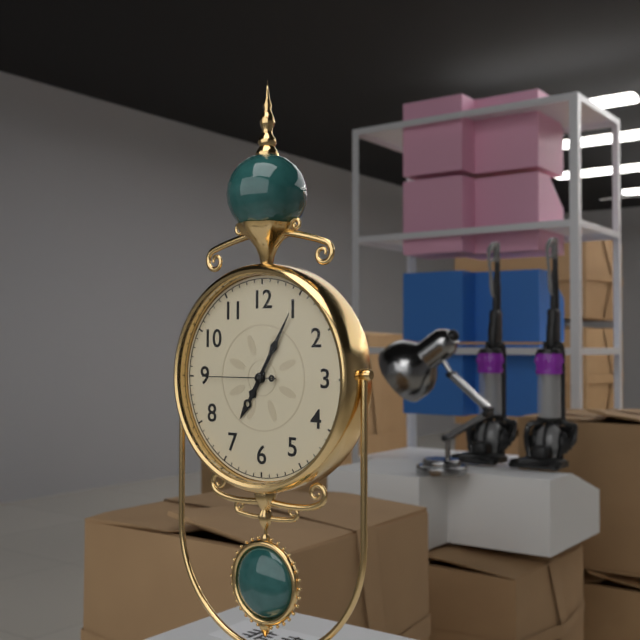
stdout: 7h05m45s
